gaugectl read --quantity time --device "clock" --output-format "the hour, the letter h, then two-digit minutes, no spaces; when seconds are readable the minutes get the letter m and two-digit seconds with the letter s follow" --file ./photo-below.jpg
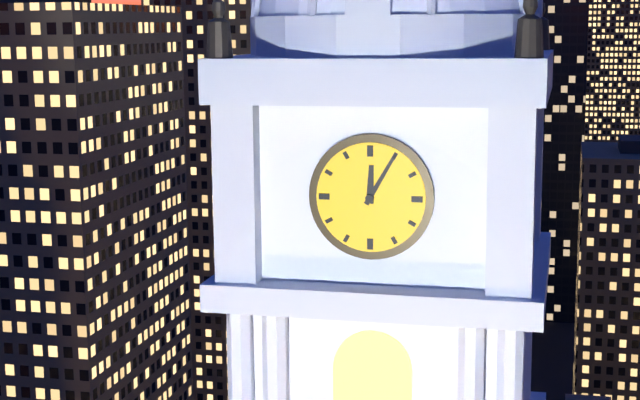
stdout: 12h05
